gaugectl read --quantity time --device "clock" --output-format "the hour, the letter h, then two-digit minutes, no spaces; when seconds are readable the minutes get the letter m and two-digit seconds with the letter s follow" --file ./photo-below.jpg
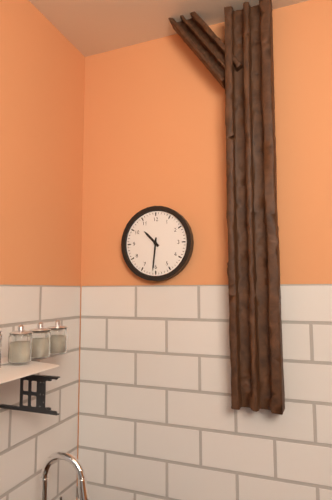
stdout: 10h31
